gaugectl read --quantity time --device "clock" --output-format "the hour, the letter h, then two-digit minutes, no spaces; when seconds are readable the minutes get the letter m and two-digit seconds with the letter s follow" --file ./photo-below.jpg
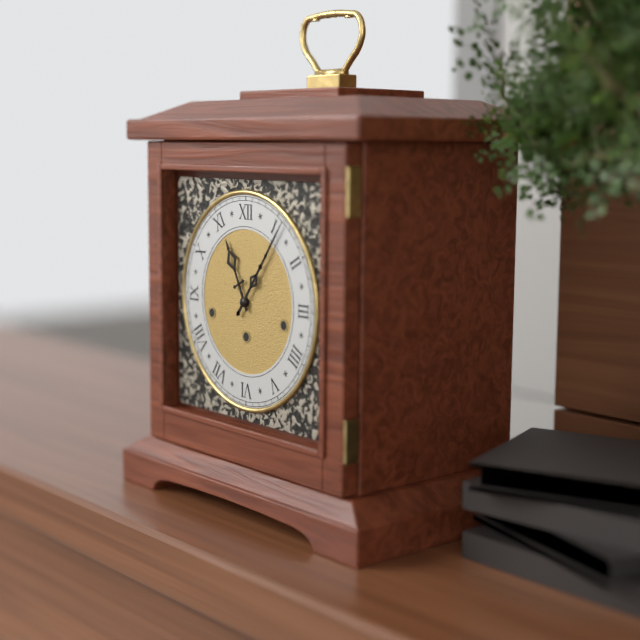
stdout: 11h06
